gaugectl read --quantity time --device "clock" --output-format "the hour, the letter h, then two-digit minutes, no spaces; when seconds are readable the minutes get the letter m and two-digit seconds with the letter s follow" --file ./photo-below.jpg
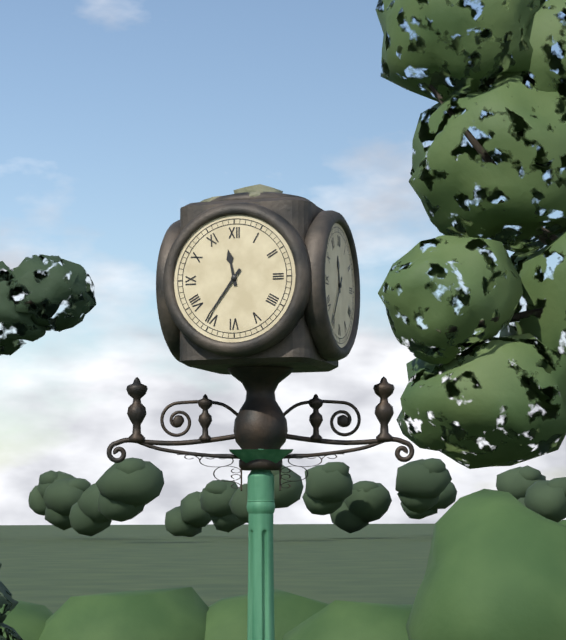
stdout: 11h36
